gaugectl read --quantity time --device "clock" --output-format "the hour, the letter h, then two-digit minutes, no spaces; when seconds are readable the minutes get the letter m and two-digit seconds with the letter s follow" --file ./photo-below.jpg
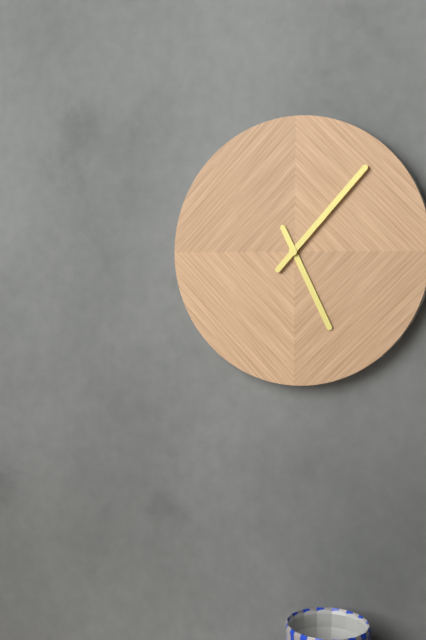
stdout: 5h07
